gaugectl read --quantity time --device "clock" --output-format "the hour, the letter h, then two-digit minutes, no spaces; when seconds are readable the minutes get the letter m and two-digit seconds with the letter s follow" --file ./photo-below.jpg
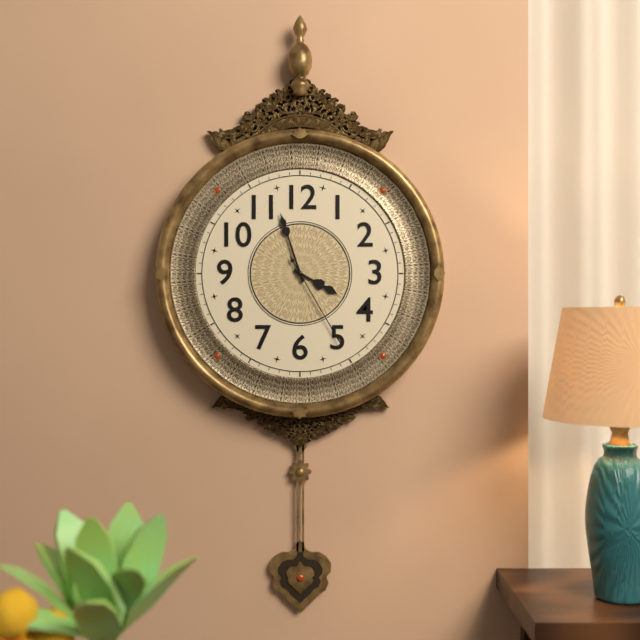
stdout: 3h57m25s
